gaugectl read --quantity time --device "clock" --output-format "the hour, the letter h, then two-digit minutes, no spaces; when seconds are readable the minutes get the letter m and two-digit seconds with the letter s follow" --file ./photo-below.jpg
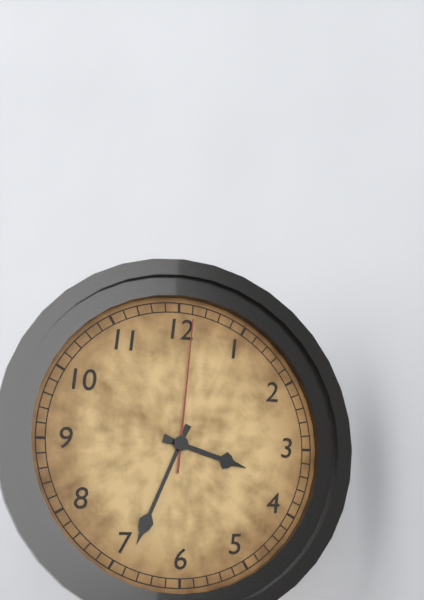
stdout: 3h34m01s
